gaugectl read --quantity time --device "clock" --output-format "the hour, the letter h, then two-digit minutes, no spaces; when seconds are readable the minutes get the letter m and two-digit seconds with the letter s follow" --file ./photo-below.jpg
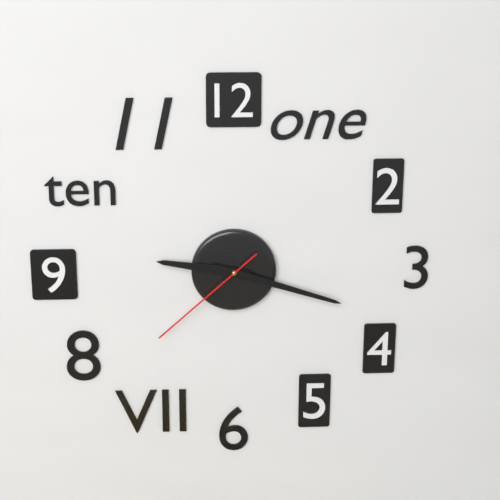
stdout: 9h18m38s
